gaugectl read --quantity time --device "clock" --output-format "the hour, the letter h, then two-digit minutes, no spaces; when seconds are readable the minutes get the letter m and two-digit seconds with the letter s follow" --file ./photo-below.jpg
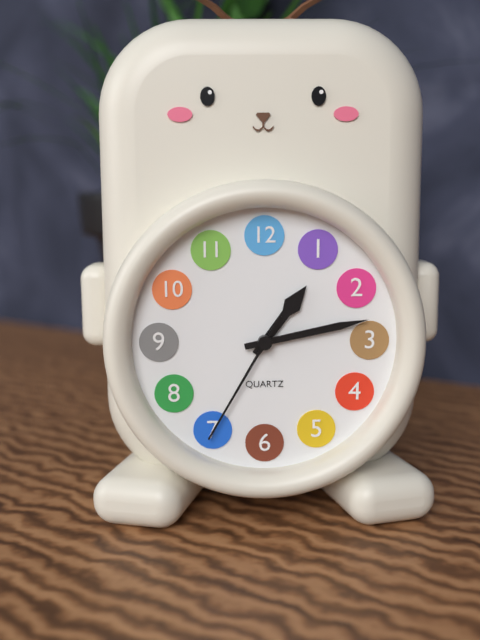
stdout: 1h13m35s
